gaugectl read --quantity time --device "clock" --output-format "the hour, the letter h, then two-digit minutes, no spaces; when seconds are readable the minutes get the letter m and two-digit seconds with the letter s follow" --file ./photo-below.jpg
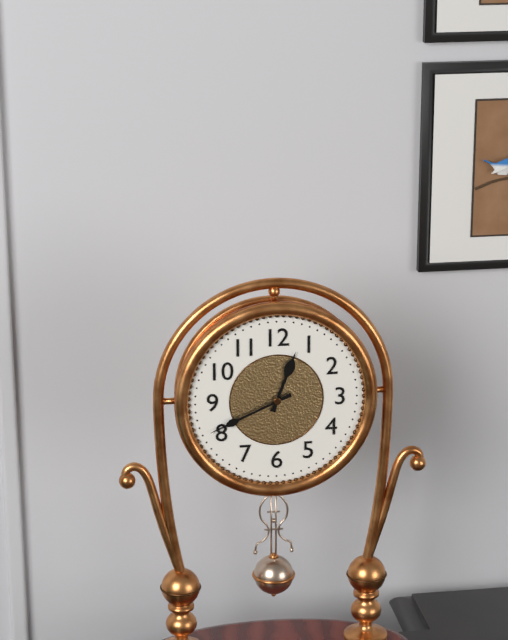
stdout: 12h41
